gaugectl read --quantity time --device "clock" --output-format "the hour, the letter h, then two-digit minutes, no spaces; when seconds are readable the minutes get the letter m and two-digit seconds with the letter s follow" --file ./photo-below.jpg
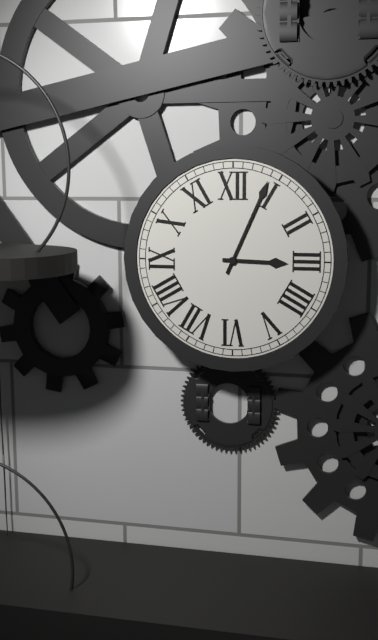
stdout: 3h04
